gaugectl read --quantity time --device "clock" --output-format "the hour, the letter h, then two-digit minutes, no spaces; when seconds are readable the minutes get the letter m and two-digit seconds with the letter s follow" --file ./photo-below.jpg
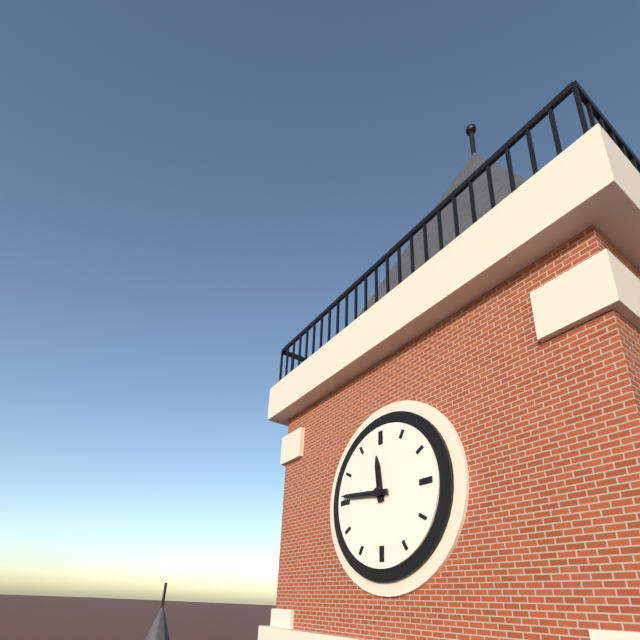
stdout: 11h46
